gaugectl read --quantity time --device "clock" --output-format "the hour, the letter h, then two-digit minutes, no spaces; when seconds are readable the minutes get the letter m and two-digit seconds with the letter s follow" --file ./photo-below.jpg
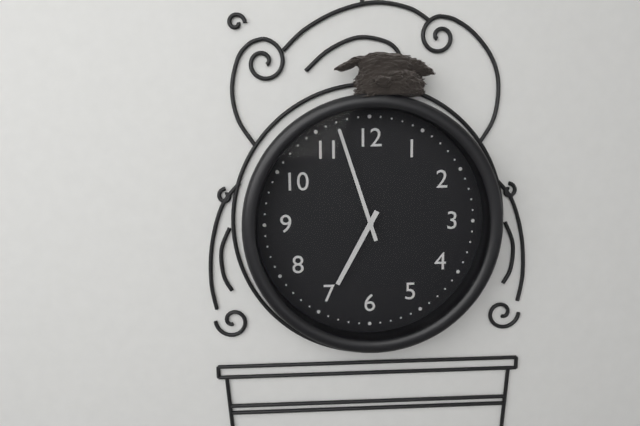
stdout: 6h57
